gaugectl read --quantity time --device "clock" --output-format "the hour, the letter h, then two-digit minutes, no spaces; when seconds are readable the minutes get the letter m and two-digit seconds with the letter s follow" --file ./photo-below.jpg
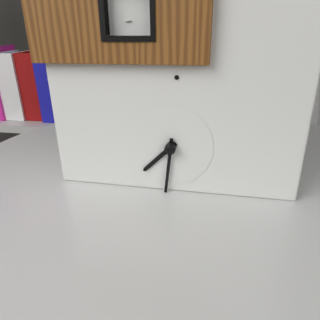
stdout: 7h31
